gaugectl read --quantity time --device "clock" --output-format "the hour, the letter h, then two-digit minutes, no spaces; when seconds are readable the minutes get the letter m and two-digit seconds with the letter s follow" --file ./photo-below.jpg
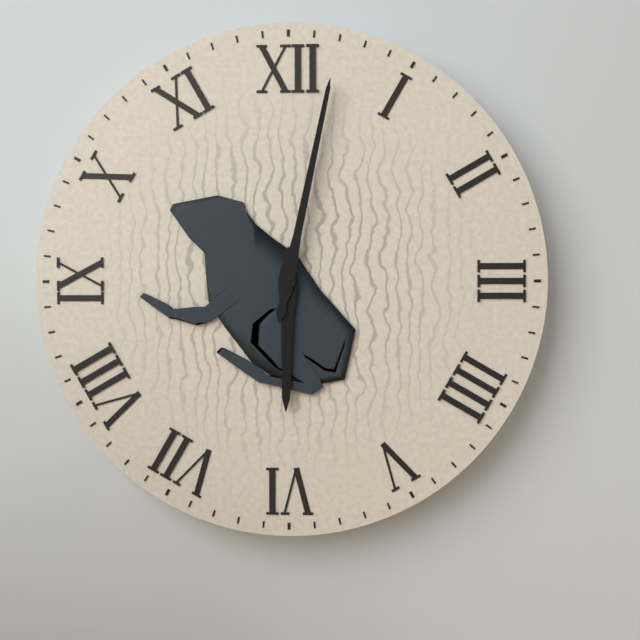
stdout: 6h02
